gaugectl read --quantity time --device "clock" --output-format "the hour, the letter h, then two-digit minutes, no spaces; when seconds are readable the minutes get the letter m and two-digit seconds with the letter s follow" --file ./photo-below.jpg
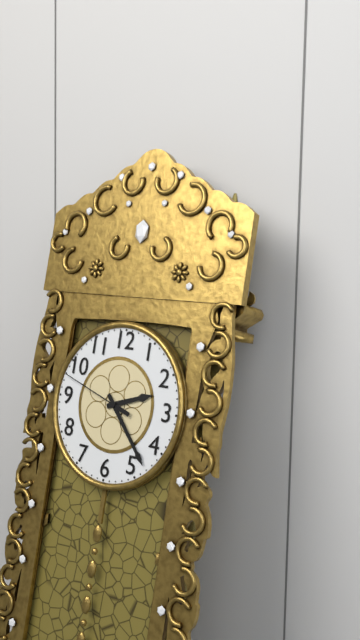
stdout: 2h23m48s
